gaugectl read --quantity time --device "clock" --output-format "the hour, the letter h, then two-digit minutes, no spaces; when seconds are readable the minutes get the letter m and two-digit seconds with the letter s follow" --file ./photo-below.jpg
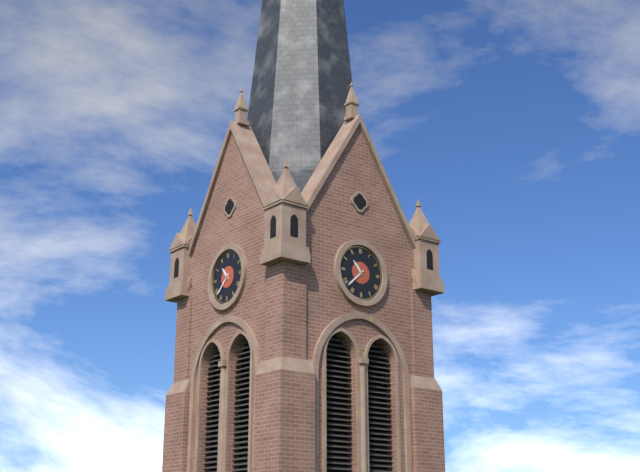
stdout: 10h38
